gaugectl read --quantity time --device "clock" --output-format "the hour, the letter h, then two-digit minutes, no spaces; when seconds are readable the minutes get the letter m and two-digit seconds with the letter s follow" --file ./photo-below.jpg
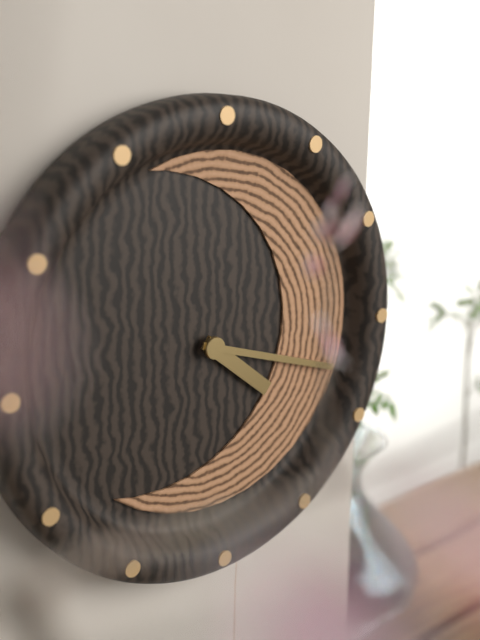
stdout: 4h18
